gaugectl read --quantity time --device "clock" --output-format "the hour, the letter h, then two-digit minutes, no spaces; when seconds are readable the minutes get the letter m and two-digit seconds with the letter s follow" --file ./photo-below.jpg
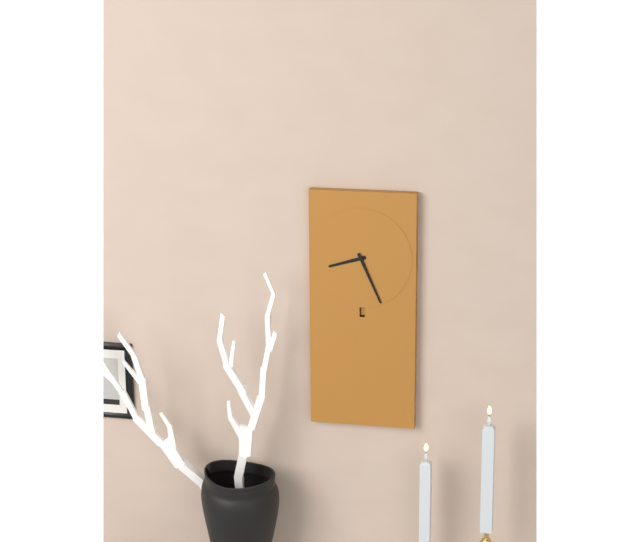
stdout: 8h26
